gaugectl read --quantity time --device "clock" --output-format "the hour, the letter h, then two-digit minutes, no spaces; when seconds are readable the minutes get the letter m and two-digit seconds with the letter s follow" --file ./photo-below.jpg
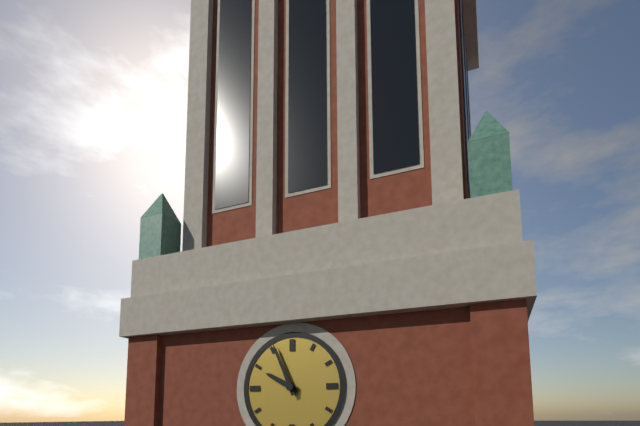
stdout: 9h56
